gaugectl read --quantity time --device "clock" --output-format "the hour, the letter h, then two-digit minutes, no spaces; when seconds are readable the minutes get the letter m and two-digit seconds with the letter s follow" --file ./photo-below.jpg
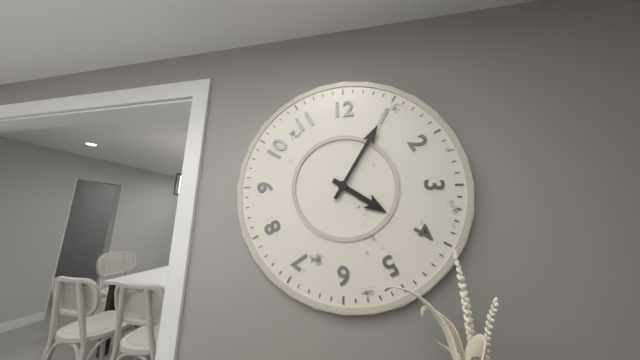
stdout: 4h05
